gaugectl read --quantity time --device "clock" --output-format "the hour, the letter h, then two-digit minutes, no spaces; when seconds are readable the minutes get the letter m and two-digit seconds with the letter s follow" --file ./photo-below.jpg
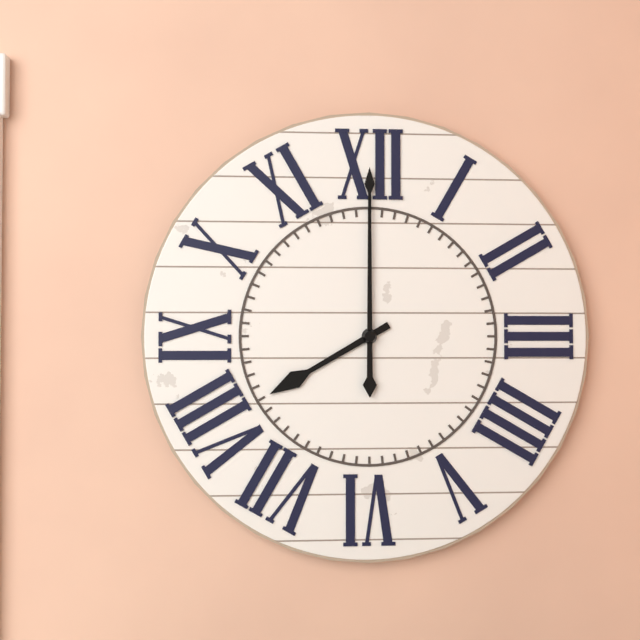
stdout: 8h00
